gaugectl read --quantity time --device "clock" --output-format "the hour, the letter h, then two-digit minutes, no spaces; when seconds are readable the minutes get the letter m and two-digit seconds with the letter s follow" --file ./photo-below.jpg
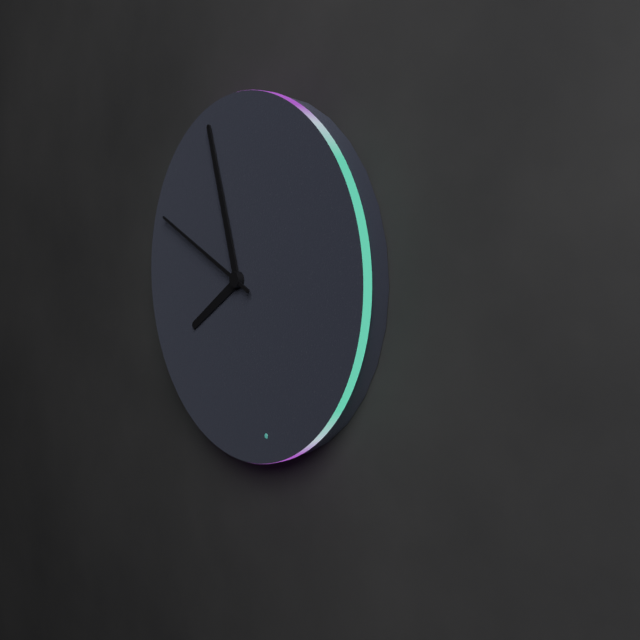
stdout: 7h57m49s
